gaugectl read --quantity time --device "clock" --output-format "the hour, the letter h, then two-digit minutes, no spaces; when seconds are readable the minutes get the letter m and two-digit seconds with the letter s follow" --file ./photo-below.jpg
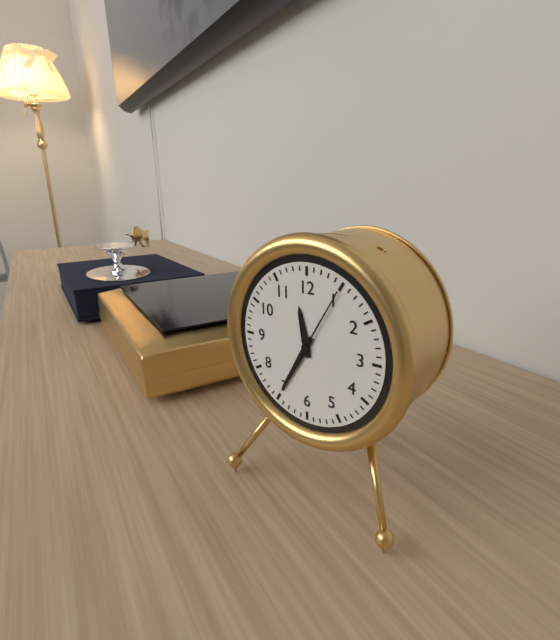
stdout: 11h35m05s
